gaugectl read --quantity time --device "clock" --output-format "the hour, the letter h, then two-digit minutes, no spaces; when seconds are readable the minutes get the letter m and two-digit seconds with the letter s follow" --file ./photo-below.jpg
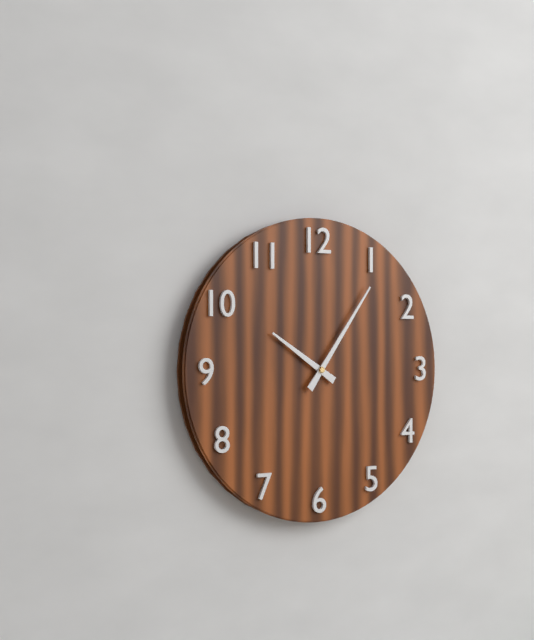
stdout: 10h06
